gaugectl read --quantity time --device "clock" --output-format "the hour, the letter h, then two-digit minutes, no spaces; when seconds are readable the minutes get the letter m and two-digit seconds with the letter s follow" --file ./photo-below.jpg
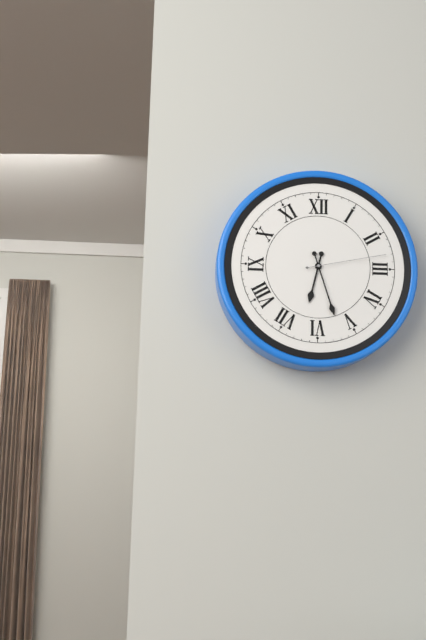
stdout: 6h27m13s
